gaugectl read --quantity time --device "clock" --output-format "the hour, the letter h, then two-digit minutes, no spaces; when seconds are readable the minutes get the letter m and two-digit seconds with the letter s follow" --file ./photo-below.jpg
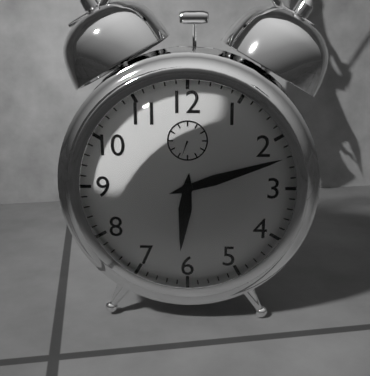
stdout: 6h12
